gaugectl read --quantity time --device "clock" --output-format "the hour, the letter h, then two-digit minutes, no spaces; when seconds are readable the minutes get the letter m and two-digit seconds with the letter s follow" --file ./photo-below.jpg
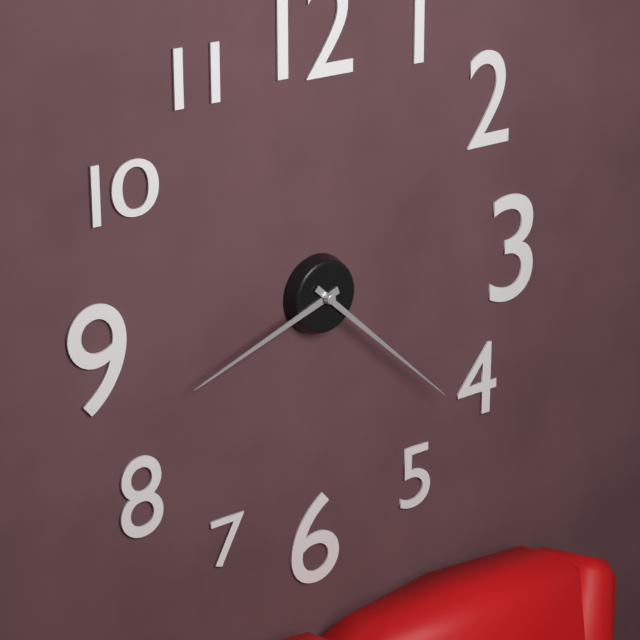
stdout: 8h22
